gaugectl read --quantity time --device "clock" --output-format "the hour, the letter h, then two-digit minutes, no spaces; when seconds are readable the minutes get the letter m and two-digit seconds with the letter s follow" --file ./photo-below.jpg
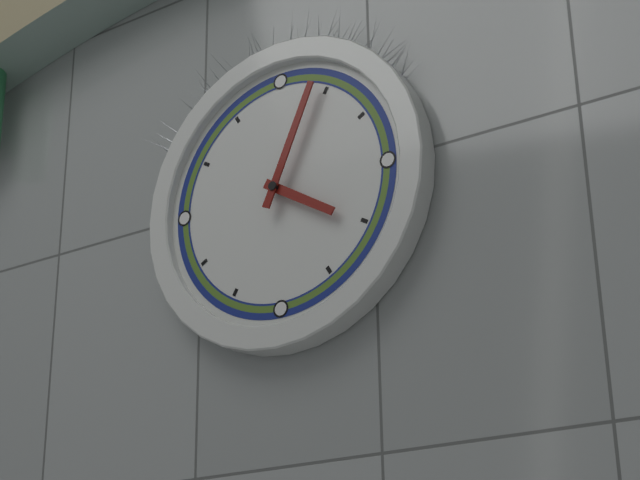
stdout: 4h04
